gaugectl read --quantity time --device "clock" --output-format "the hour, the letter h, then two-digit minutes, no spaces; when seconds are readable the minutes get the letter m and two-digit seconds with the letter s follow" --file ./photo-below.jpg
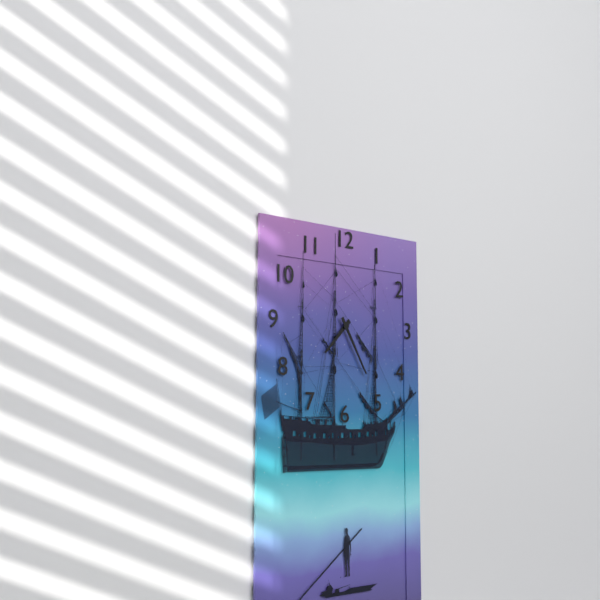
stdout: 7h25
